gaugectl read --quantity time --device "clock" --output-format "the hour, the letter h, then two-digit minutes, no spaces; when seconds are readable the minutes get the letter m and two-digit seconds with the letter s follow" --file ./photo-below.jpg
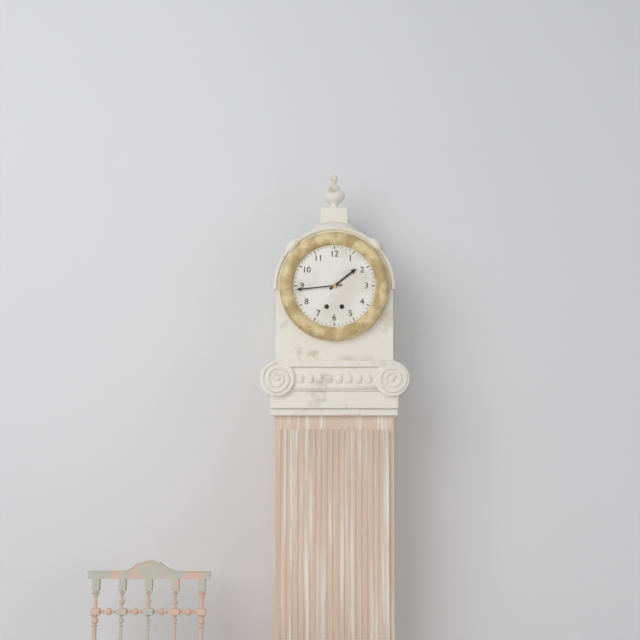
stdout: 1h44
